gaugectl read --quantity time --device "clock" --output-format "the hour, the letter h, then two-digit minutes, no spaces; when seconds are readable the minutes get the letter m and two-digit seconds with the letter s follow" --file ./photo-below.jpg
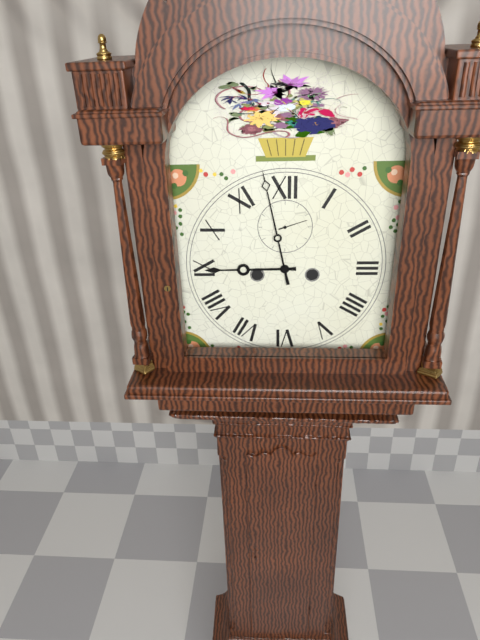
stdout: 8h58
